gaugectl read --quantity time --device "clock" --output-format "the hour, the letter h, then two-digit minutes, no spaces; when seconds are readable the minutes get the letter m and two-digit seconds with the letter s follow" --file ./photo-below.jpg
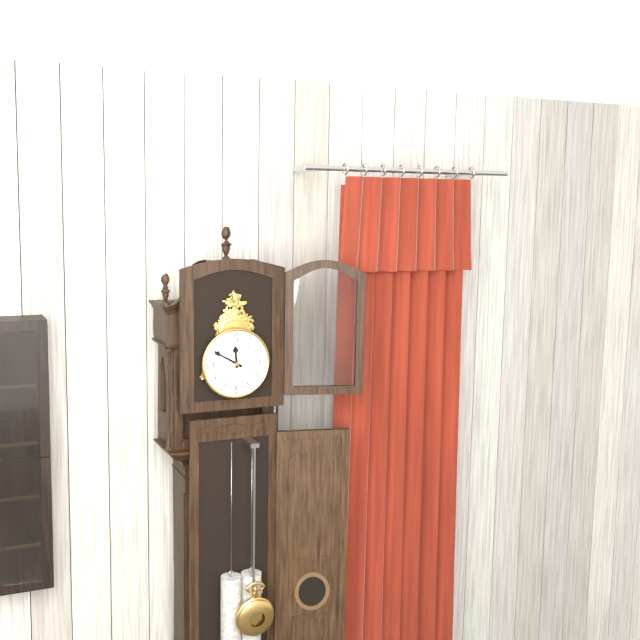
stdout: 11h50
